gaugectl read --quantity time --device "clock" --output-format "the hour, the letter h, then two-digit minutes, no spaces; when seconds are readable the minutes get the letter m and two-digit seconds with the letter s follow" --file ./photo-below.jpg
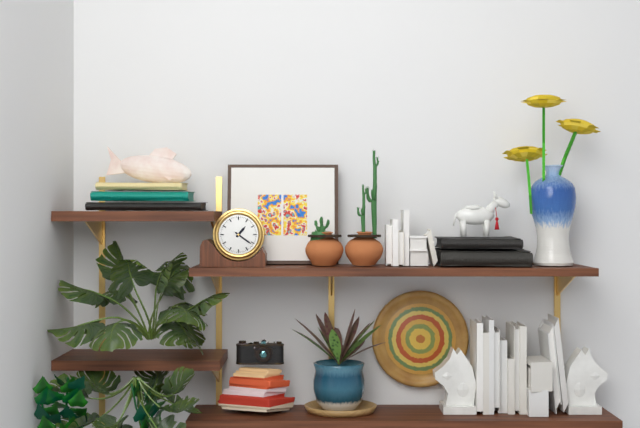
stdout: 1h21
